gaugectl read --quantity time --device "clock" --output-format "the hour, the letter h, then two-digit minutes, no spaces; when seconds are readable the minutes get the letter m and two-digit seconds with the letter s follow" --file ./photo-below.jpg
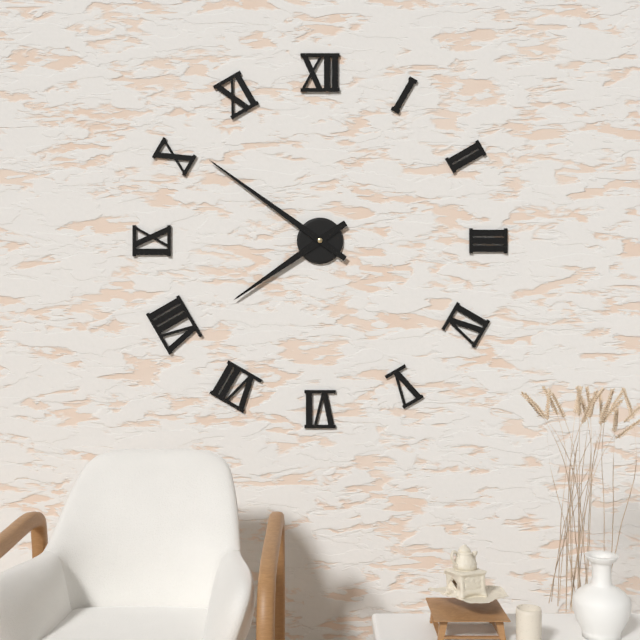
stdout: 7h51
